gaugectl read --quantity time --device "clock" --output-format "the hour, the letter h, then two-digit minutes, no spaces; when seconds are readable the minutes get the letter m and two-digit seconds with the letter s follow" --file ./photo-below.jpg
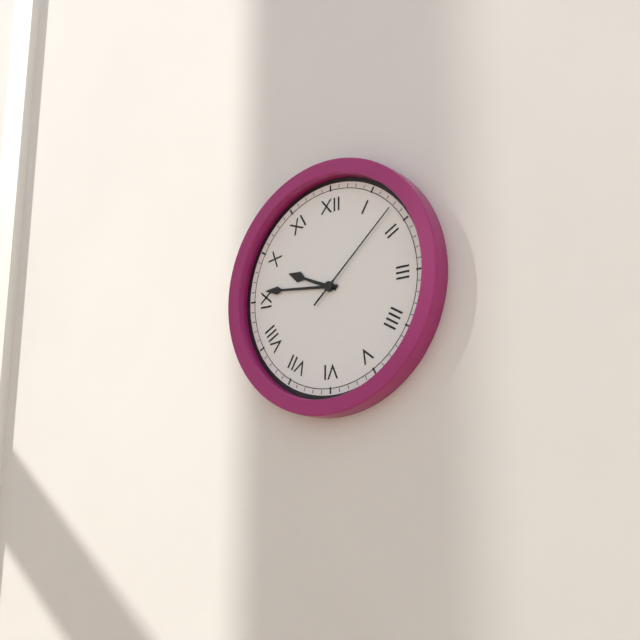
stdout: 9h46m08s
